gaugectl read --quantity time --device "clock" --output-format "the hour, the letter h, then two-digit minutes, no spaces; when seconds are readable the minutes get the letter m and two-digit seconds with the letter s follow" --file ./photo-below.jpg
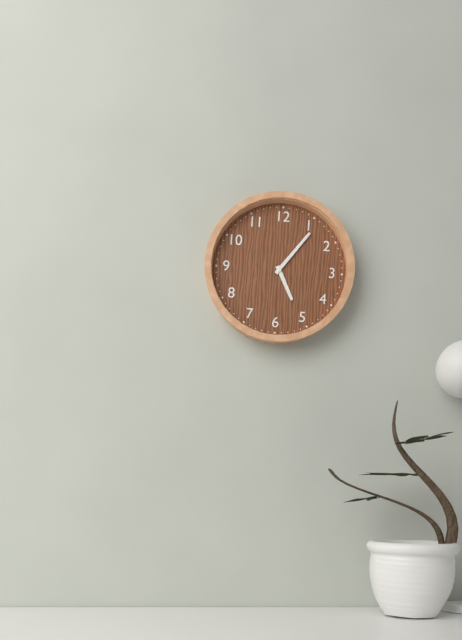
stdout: 5h06
